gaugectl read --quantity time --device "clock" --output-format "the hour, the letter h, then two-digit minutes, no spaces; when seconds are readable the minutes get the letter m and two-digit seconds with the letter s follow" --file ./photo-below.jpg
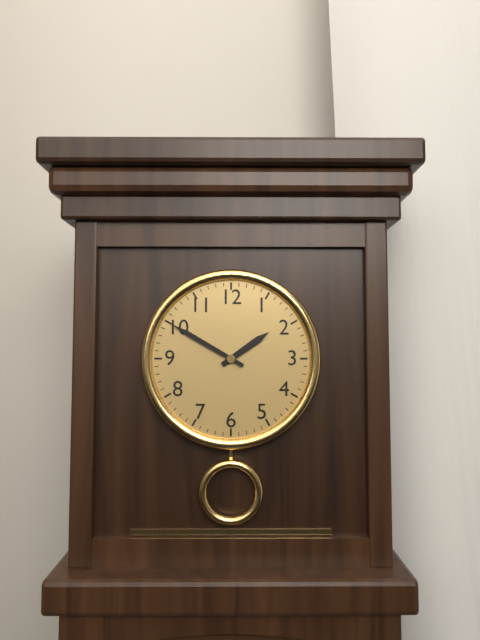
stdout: 1h50
